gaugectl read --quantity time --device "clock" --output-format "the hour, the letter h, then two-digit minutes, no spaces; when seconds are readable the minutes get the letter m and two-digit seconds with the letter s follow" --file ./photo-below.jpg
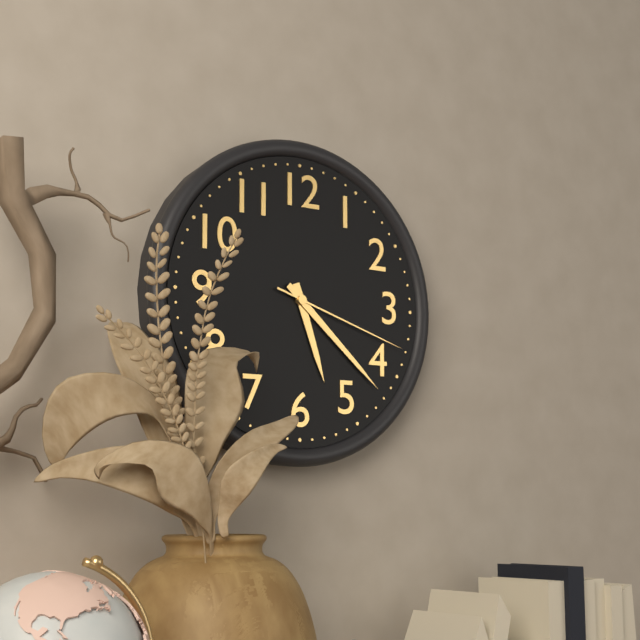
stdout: 5h22m18s
